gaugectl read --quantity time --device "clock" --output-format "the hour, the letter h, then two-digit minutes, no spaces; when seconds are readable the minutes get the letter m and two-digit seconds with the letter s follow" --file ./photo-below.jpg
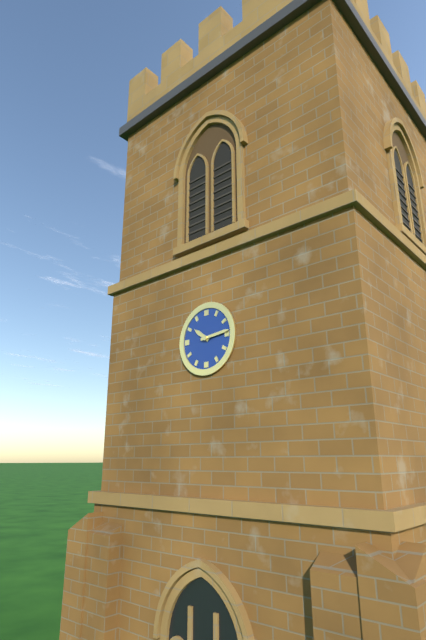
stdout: 10h14
